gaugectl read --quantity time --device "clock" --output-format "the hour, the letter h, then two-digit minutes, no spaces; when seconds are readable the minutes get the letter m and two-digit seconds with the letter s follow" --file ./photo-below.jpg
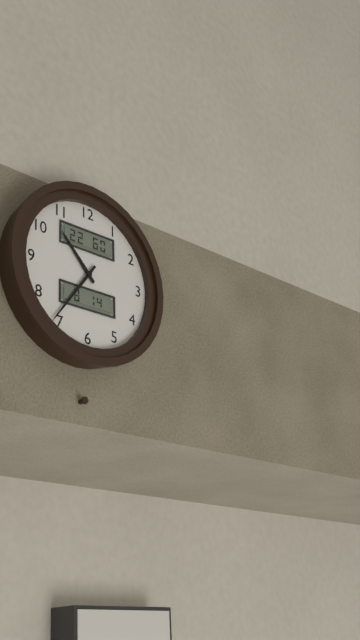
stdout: 10h36
